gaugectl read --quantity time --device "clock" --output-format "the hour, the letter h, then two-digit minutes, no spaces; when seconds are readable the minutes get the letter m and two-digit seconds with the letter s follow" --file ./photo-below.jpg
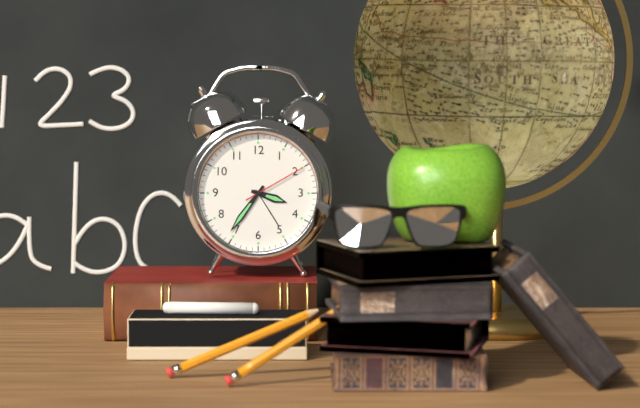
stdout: 3h36m10s
